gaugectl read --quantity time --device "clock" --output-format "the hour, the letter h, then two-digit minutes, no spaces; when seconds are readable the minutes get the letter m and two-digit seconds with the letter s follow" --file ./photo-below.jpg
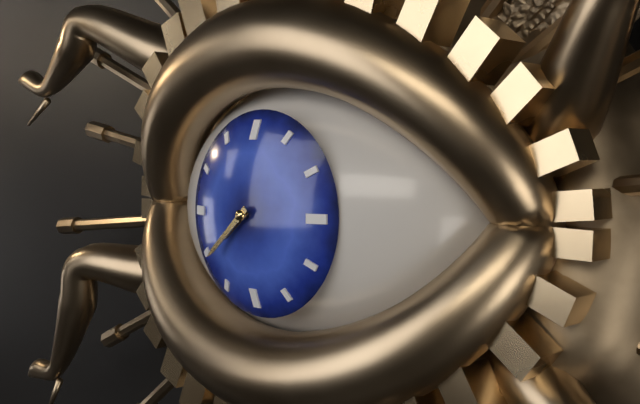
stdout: 7h38
